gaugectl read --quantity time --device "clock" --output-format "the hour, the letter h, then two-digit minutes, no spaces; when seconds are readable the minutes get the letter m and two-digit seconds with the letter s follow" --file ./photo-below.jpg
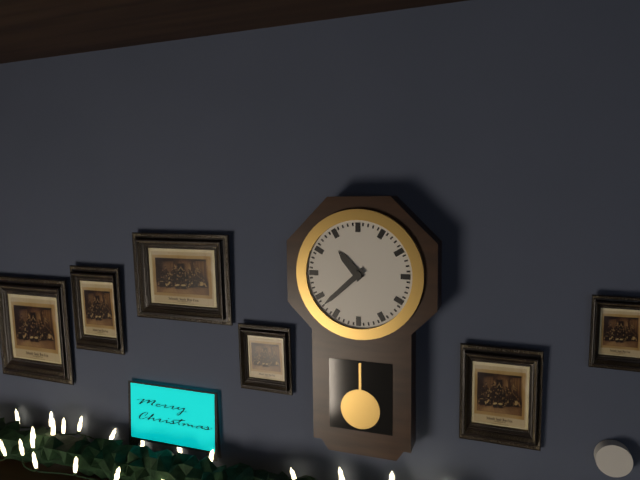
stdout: 10h38
